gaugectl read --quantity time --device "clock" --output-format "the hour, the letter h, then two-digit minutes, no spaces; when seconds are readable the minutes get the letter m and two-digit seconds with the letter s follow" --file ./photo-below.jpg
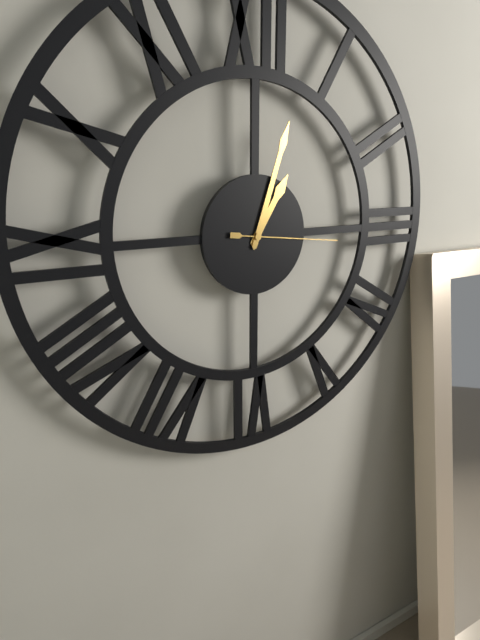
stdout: 1h03m16s
